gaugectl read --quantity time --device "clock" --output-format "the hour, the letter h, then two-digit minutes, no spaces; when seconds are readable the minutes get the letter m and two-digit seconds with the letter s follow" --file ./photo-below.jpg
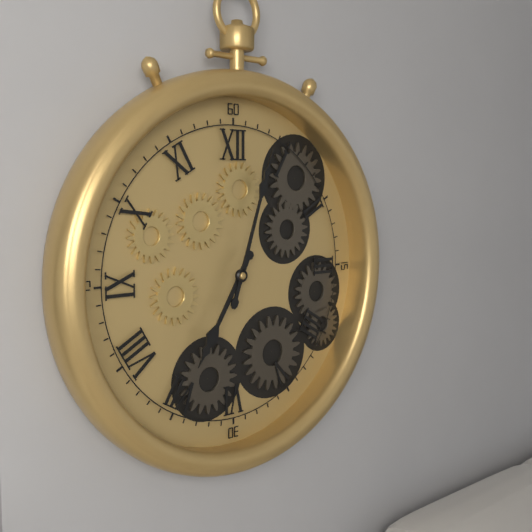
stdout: 7h03
